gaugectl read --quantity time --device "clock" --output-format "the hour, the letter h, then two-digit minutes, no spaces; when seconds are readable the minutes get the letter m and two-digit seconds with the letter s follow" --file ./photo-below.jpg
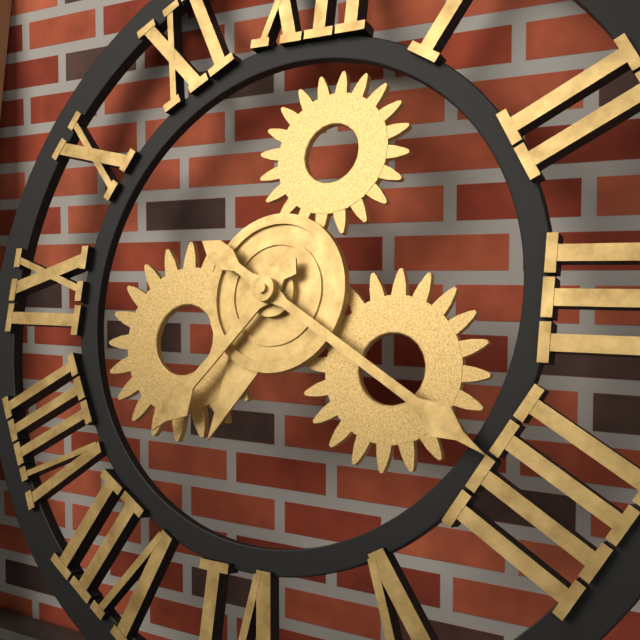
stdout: 7h20
